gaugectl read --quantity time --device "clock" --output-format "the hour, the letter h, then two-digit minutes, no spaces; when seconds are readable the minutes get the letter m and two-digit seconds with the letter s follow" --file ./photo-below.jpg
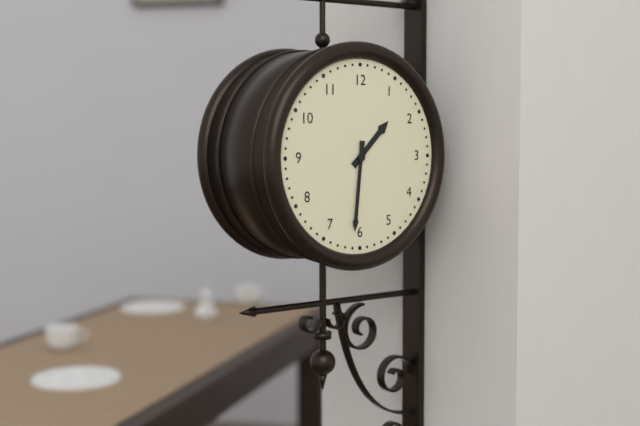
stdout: 1h31
